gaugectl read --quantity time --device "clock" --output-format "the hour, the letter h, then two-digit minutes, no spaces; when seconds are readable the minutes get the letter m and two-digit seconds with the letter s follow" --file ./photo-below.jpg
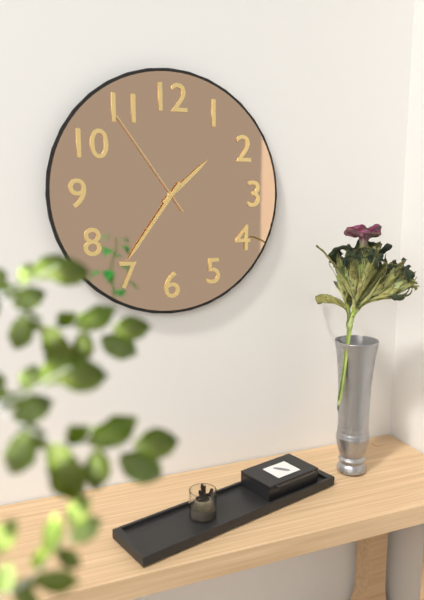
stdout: 1h36m54s
